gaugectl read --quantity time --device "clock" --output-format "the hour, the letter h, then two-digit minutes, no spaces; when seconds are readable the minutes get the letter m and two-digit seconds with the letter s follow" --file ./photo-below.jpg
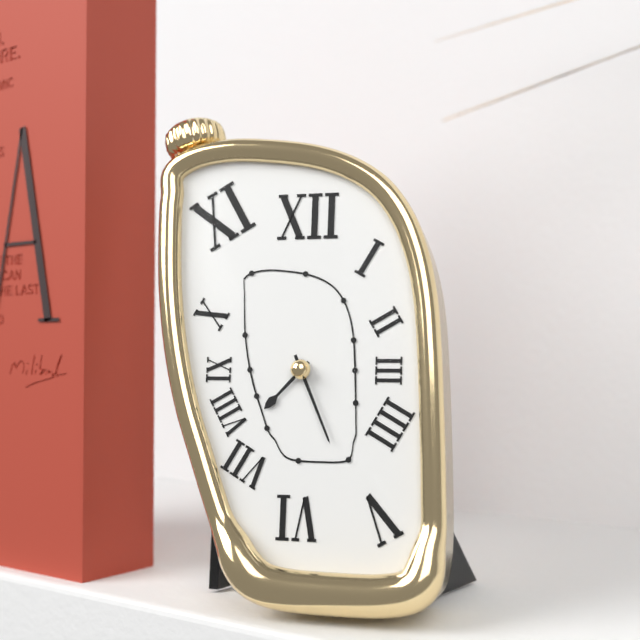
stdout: 7h26
